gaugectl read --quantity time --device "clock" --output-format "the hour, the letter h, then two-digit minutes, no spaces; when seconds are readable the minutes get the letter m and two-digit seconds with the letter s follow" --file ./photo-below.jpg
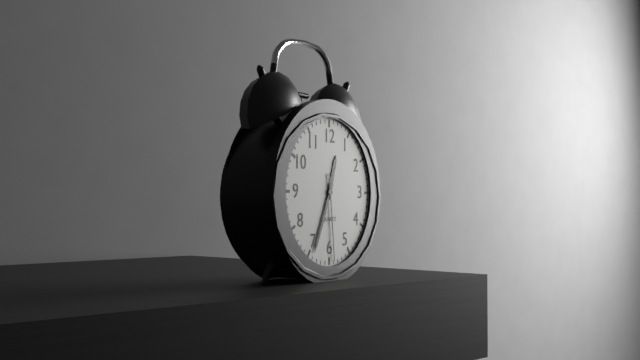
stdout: 12h34m29s
